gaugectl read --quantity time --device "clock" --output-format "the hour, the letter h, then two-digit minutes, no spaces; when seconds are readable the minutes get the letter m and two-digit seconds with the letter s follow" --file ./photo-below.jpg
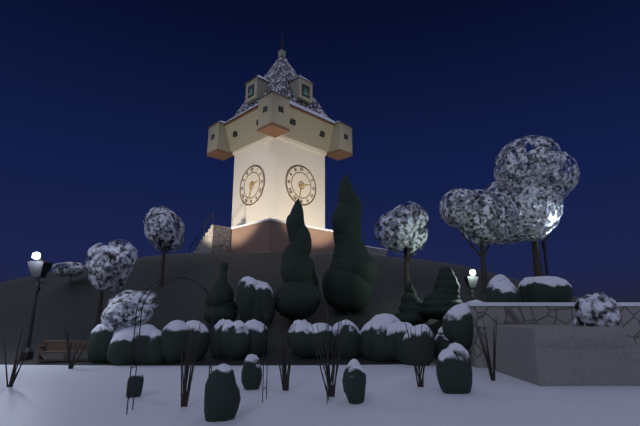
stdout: 2h32
